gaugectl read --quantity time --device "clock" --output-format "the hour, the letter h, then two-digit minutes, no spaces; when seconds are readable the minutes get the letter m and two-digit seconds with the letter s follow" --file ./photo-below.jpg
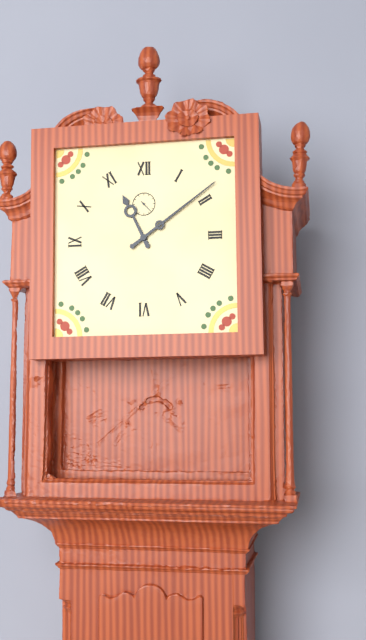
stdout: 11h09
